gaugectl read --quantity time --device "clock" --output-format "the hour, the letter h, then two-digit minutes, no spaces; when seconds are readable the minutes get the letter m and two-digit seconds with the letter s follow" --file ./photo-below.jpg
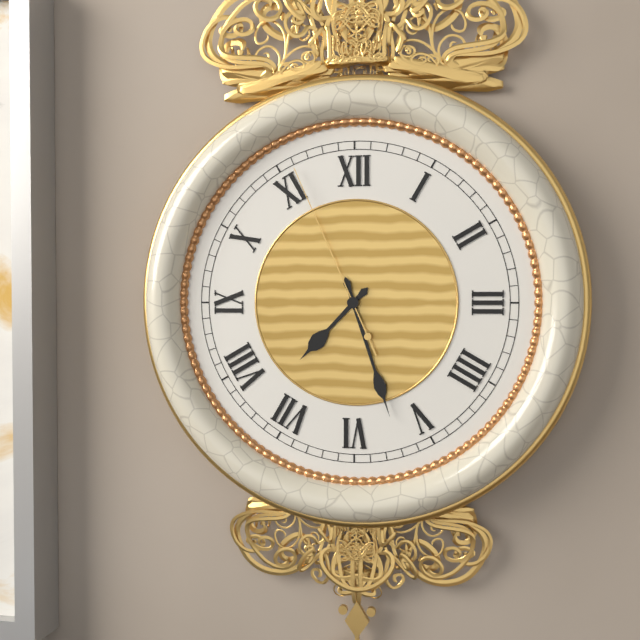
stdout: 7h27m56s
